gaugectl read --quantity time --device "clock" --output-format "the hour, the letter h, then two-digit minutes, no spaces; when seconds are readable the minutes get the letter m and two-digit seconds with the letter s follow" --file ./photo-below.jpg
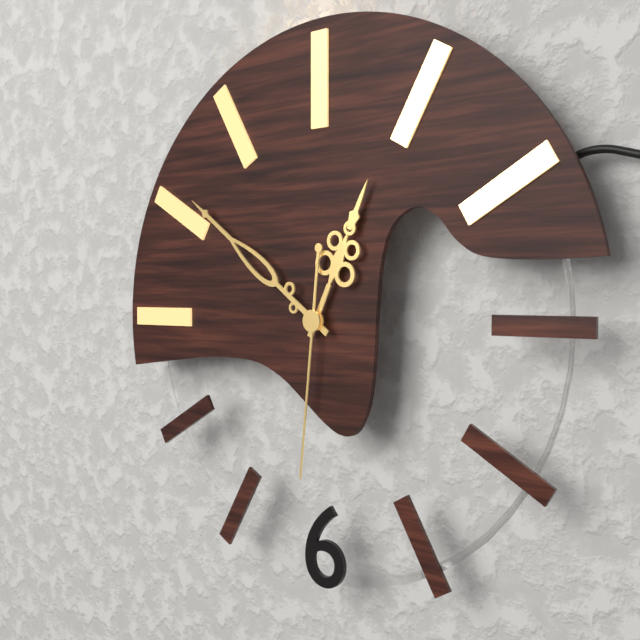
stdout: 12h51m31s
